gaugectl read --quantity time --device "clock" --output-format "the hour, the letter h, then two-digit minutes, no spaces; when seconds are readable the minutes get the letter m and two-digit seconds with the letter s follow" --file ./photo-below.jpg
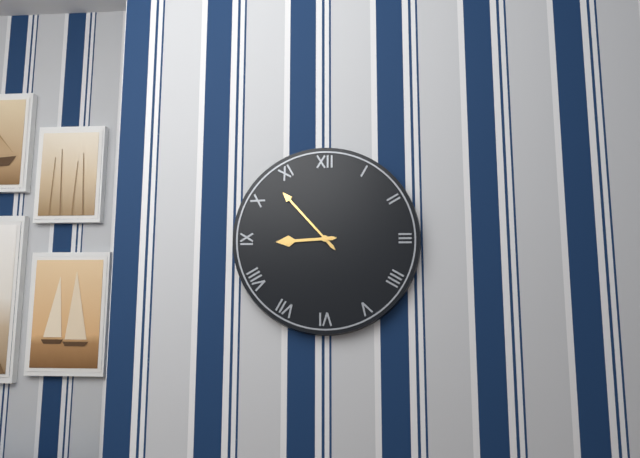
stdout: 8h53
